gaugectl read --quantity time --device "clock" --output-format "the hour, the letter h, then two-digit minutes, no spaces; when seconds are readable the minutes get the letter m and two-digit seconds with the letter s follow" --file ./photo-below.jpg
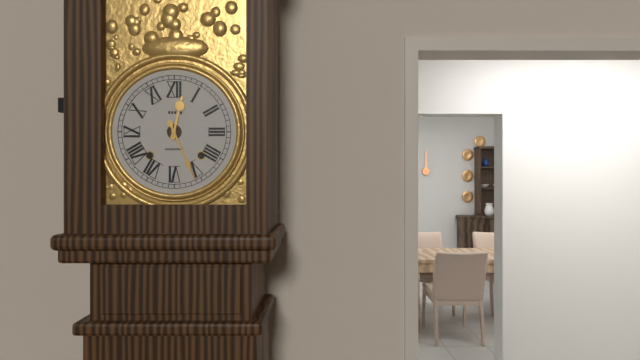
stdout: 12h26
